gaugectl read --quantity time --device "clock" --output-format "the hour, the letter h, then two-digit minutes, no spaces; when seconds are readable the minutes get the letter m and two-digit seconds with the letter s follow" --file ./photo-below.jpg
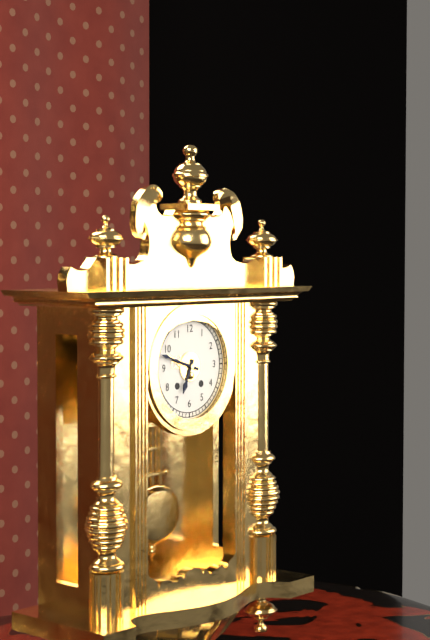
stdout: 6h48
